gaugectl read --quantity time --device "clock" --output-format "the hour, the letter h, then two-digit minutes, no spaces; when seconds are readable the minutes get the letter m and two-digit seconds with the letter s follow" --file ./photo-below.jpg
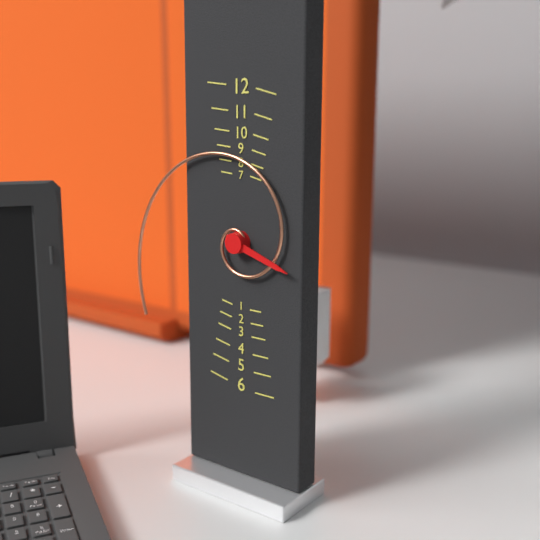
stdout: 3h39
